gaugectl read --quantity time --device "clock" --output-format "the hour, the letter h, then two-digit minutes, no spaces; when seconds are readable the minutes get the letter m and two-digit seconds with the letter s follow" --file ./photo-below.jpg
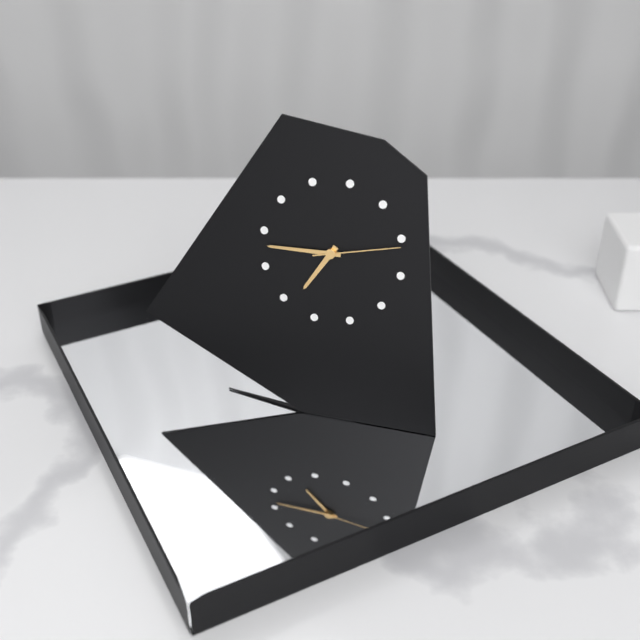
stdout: 6h43m11s
